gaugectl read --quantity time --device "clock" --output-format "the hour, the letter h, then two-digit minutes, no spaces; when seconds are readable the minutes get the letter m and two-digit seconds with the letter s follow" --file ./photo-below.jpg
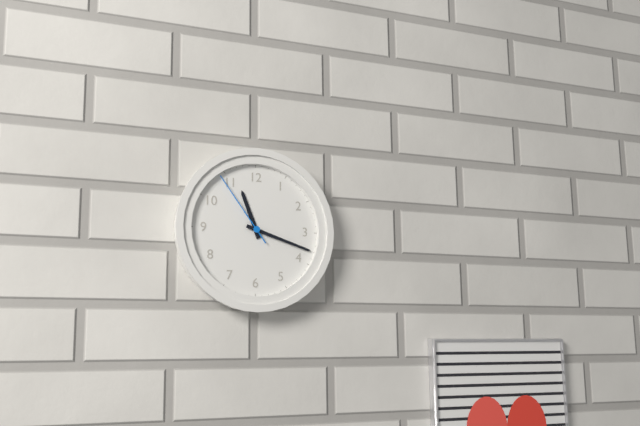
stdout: 11h18m54s
